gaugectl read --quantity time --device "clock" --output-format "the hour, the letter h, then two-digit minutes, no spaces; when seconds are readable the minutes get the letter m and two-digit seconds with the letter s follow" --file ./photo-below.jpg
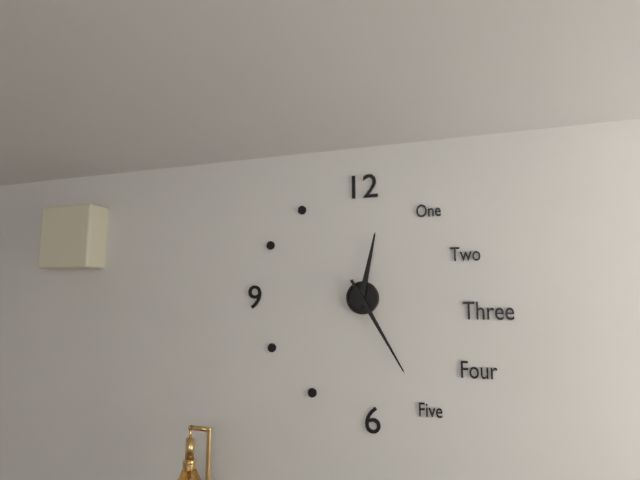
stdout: 12h25
